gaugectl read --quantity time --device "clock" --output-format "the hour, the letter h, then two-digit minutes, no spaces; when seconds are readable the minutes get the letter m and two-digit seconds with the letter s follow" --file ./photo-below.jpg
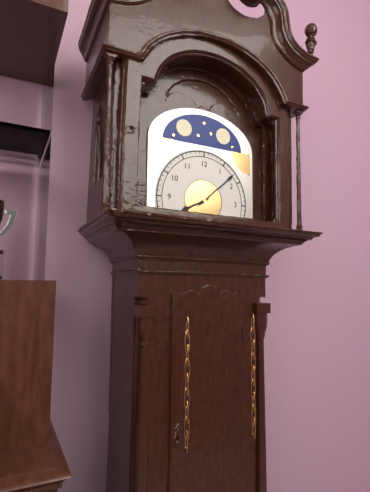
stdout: 8h08
